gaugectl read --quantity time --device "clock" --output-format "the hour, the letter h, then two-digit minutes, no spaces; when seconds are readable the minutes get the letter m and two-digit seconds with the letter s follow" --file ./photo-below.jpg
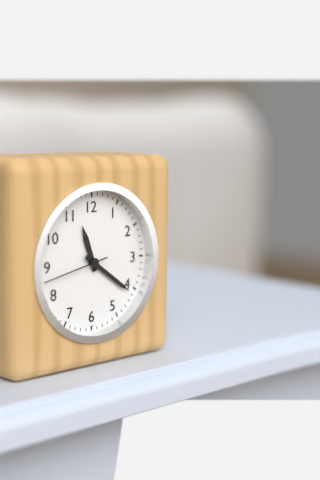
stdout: 11h21m43s
